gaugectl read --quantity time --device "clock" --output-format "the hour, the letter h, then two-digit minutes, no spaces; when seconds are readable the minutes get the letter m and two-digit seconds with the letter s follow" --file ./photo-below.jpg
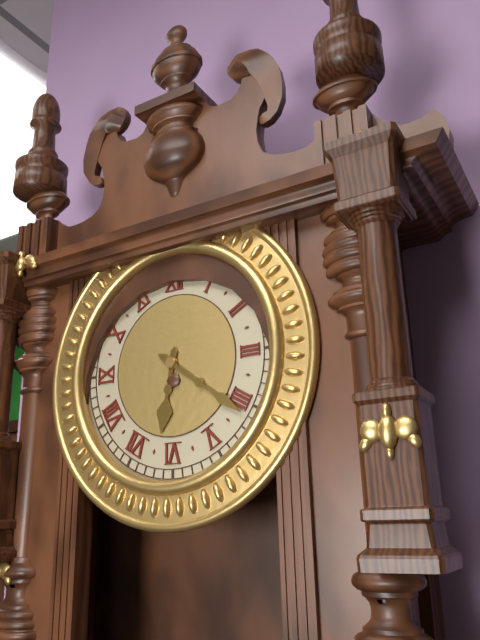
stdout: 6h21
